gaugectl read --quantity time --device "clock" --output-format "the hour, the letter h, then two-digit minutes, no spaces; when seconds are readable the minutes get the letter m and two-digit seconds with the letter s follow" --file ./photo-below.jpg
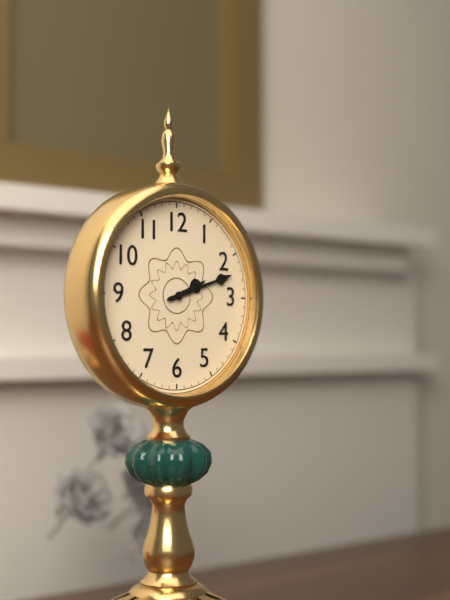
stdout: 2h12
